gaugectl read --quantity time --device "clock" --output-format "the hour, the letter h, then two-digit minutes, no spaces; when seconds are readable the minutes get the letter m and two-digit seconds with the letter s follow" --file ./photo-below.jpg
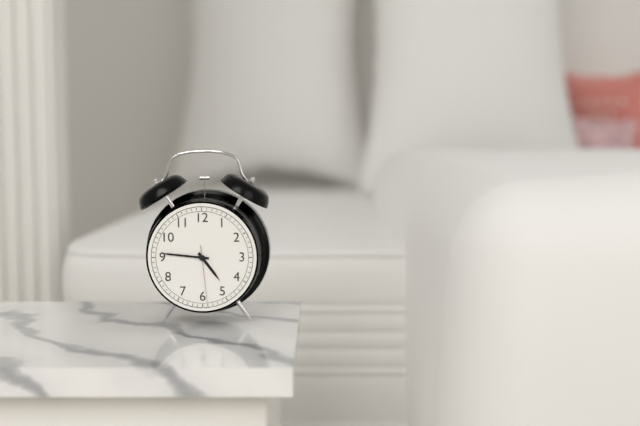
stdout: 4h46m29s
